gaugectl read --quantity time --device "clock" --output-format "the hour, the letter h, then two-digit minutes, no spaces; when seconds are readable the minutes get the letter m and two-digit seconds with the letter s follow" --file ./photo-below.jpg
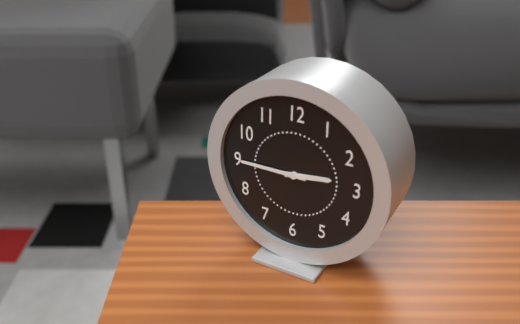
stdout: 2h45
